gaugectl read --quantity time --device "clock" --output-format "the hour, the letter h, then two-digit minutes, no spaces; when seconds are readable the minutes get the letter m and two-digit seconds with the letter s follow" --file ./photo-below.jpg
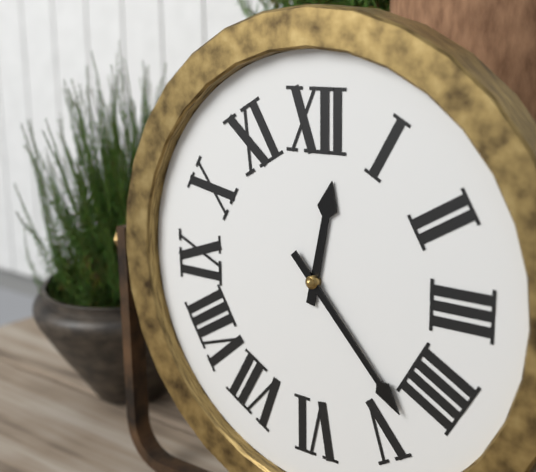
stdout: 12h23
